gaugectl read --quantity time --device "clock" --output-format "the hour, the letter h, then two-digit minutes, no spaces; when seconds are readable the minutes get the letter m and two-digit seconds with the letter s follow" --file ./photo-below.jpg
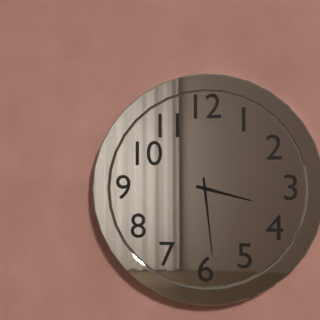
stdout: 3h29
